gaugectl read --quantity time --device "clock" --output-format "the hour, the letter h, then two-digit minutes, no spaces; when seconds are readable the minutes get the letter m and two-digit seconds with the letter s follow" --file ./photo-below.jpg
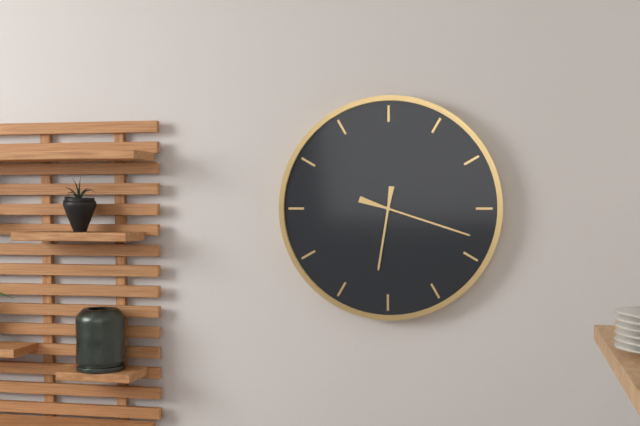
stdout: 6h18
